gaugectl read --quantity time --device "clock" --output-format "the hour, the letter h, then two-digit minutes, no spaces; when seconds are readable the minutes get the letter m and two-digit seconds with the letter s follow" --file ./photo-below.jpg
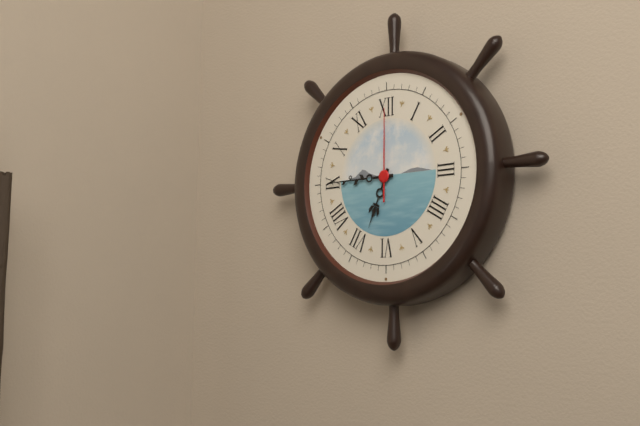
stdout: 6h45m00s
